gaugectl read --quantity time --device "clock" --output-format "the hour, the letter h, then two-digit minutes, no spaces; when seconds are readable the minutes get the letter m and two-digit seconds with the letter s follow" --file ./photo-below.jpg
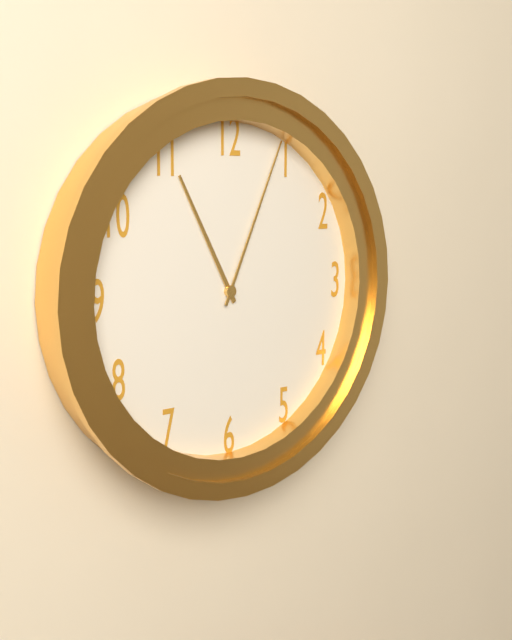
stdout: 11h04
